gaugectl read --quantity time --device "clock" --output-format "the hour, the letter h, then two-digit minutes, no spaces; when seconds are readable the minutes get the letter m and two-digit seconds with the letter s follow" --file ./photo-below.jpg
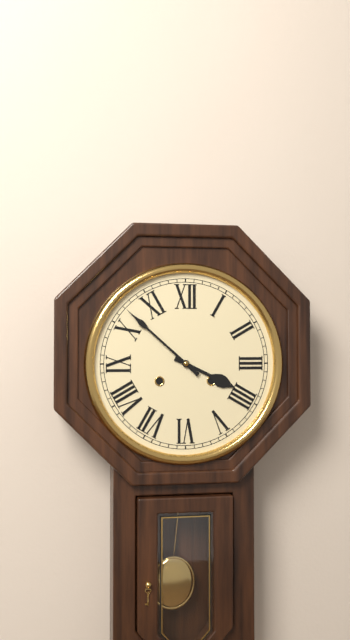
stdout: 3h52
